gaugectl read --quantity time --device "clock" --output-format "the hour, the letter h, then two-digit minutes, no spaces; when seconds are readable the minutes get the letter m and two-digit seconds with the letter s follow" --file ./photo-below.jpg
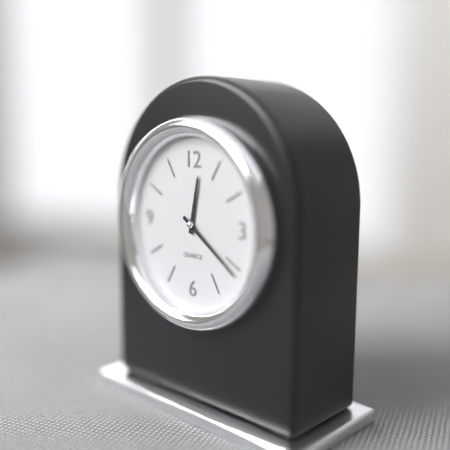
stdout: 12h21
